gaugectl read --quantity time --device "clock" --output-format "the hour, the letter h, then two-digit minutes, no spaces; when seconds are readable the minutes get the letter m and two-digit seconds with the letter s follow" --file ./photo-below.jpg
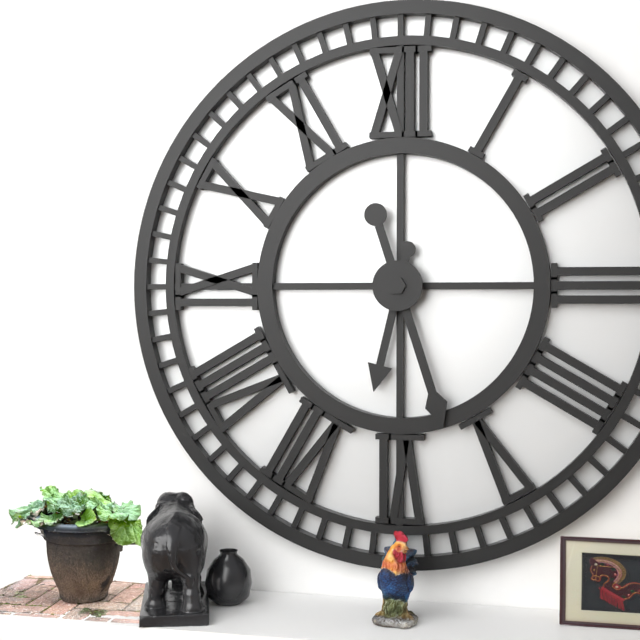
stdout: 6h27
